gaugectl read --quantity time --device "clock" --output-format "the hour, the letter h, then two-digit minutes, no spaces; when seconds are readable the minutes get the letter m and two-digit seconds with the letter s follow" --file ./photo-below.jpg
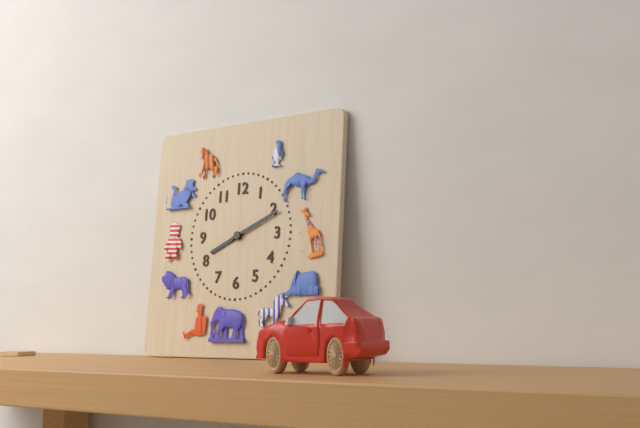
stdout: 8h11
